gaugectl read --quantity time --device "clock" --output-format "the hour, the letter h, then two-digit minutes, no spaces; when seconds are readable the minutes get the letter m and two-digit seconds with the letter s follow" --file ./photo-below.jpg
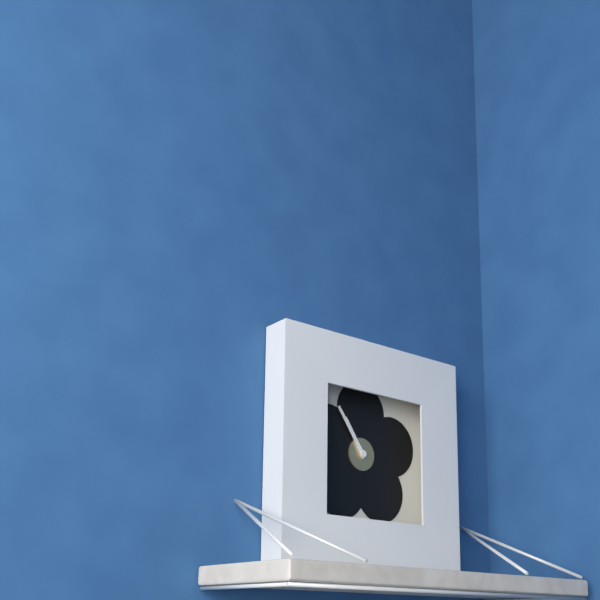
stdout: 10h54
